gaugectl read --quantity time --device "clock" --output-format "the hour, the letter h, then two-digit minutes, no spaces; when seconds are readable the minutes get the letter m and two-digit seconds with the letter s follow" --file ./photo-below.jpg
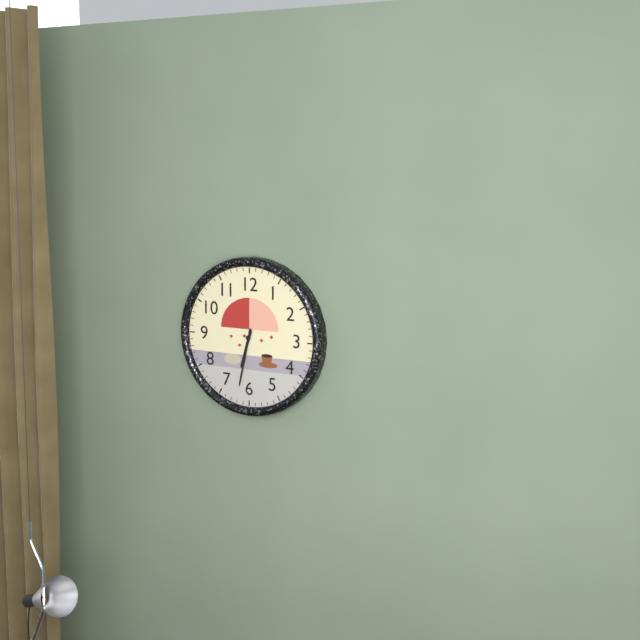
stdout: 6h32
